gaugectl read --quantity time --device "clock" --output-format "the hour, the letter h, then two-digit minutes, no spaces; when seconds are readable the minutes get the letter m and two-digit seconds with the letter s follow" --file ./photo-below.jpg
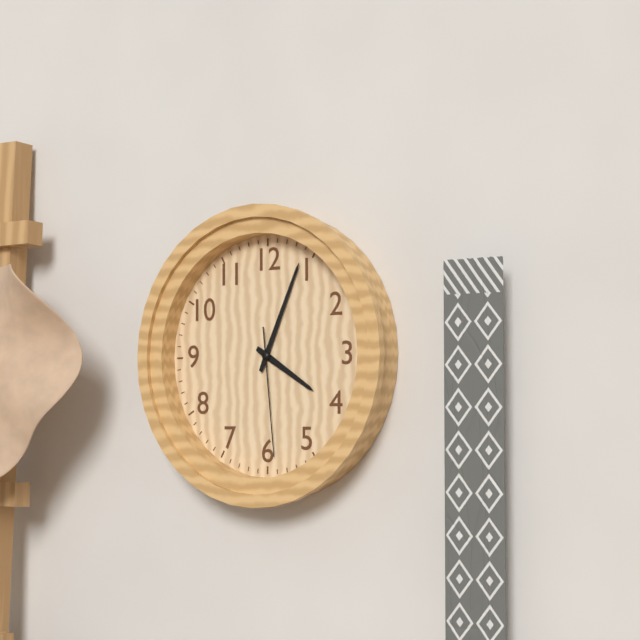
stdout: 4h04m29s
